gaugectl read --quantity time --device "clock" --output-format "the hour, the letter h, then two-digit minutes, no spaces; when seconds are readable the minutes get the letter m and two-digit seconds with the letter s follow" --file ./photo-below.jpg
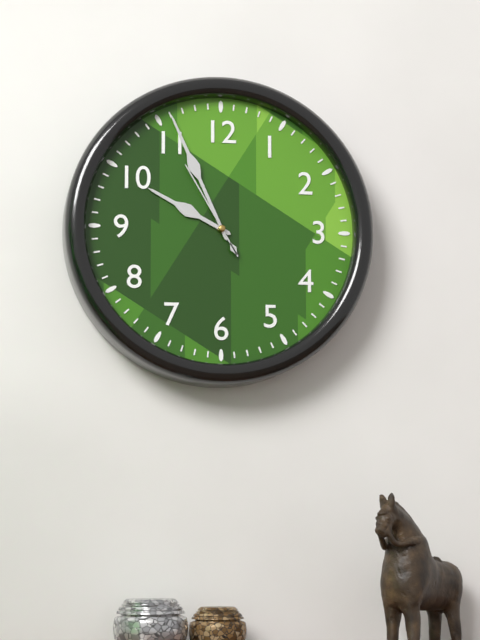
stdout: 9h56m55s
